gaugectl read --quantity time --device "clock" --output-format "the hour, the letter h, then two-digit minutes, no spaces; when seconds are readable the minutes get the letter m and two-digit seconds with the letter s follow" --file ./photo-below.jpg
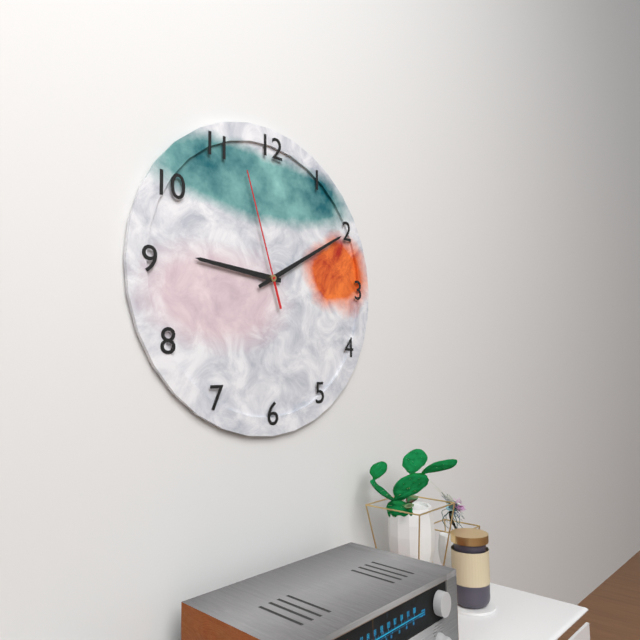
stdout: 9h10m57s
